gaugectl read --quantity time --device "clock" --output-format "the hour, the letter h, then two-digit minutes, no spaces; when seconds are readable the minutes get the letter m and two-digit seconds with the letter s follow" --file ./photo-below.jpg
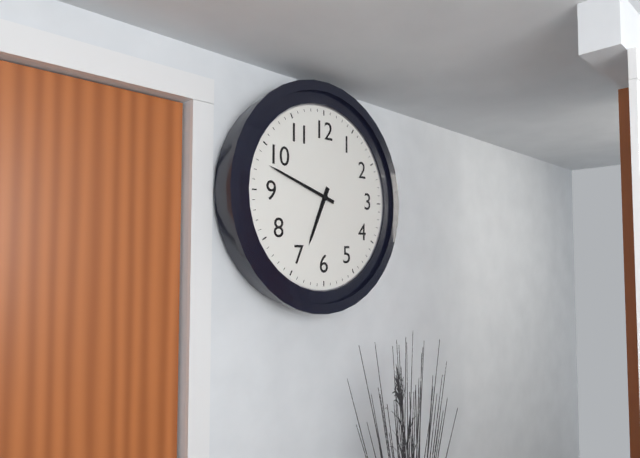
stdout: 6h48
